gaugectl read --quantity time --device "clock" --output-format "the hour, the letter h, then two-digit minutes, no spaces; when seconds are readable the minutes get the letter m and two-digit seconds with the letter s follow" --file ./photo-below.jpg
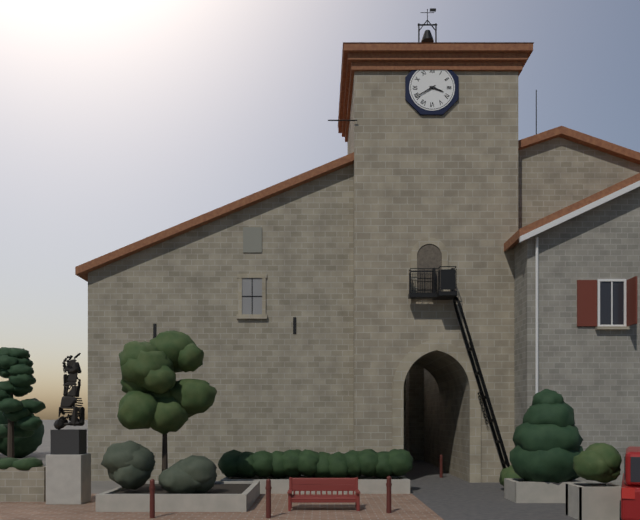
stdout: 3h40
